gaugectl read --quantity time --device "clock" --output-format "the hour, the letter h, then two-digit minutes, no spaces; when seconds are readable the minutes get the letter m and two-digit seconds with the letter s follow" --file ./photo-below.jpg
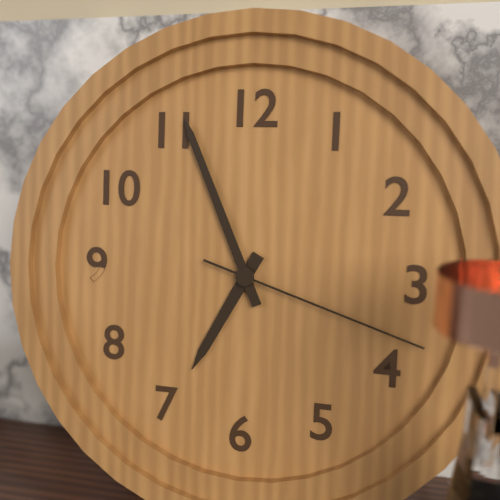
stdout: 6h56m18s
